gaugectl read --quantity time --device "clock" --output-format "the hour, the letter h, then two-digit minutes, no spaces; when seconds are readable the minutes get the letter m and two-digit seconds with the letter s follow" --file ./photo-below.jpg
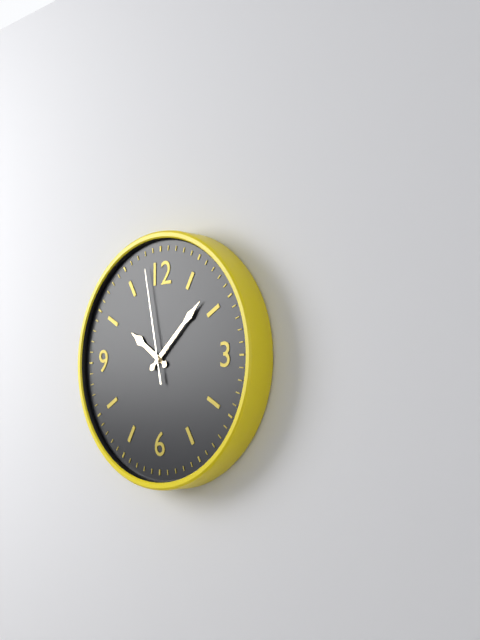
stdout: 10h08m58s
